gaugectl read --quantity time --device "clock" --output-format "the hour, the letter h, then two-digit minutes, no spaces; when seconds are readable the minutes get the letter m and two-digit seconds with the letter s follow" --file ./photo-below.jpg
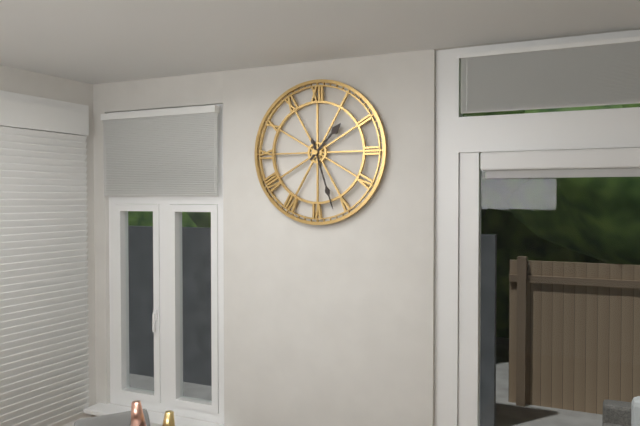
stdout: 1h27
